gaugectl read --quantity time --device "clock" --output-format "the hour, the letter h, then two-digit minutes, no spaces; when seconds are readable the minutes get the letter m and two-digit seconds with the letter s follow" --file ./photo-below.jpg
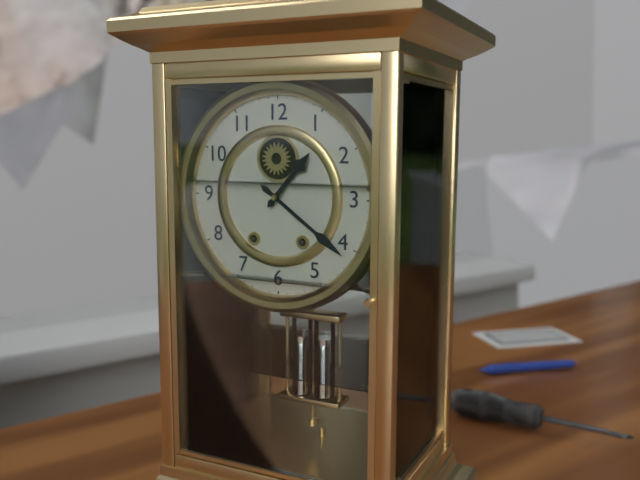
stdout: 1h21
